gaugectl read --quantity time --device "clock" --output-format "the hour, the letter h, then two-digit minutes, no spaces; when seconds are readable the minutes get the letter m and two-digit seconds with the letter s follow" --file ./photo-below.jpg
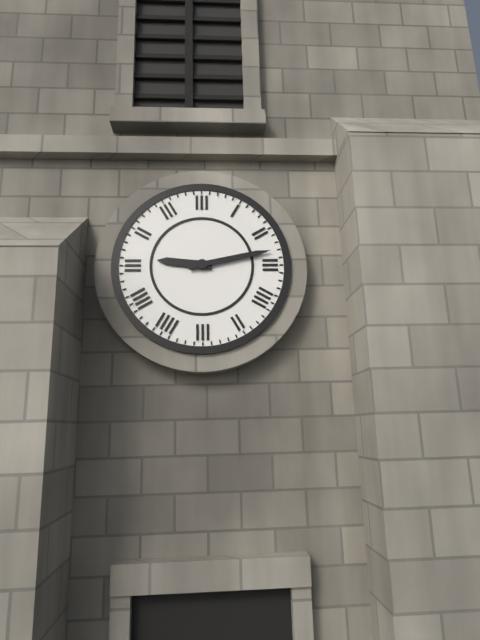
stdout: 9h13
